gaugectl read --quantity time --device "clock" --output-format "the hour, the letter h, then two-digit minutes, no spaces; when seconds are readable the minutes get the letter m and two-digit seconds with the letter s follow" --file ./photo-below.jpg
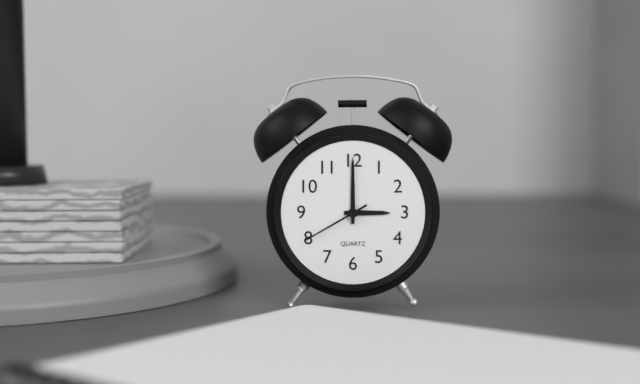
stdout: 3h00m40s
